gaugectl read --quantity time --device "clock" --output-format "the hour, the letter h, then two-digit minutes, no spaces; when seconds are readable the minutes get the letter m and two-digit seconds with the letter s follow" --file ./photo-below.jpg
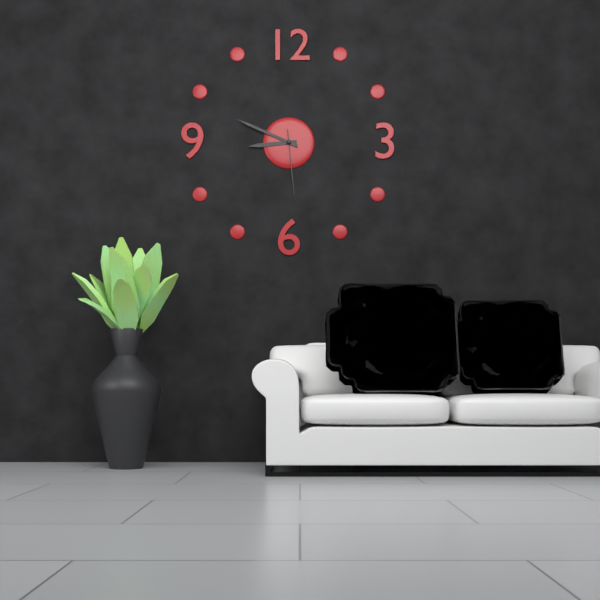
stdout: 8h49m29s
